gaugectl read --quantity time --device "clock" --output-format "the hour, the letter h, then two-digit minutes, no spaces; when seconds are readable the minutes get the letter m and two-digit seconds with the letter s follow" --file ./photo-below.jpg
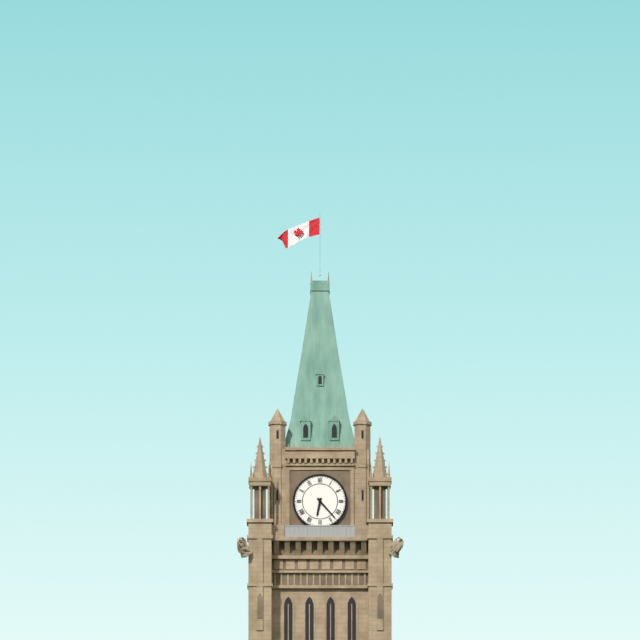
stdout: 6h23
